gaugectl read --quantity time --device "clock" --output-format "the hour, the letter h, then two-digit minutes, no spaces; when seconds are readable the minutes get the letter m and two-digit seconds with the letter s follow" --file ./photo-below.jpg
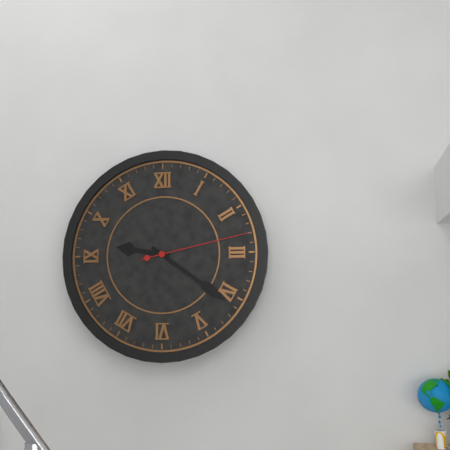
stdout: 9h21m13s
